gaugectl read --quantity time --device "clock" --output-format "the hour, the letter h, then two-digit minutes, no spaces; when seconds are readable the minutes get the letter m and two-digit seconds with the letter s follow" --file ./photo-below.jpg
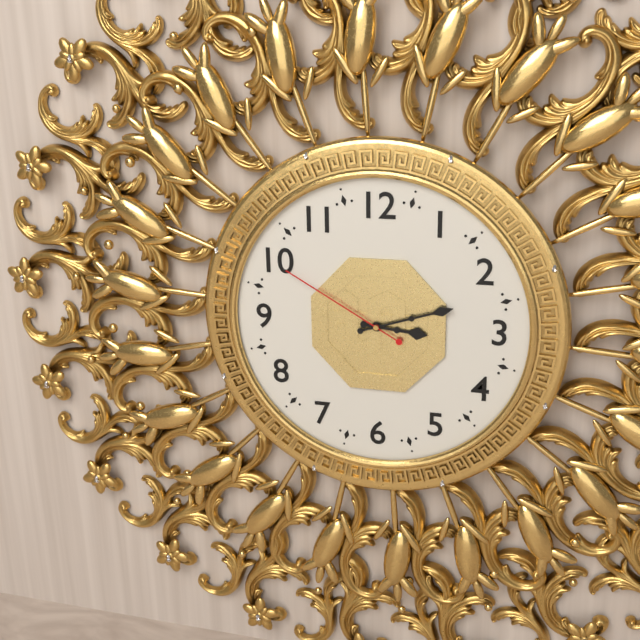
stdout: 3h12m50s
